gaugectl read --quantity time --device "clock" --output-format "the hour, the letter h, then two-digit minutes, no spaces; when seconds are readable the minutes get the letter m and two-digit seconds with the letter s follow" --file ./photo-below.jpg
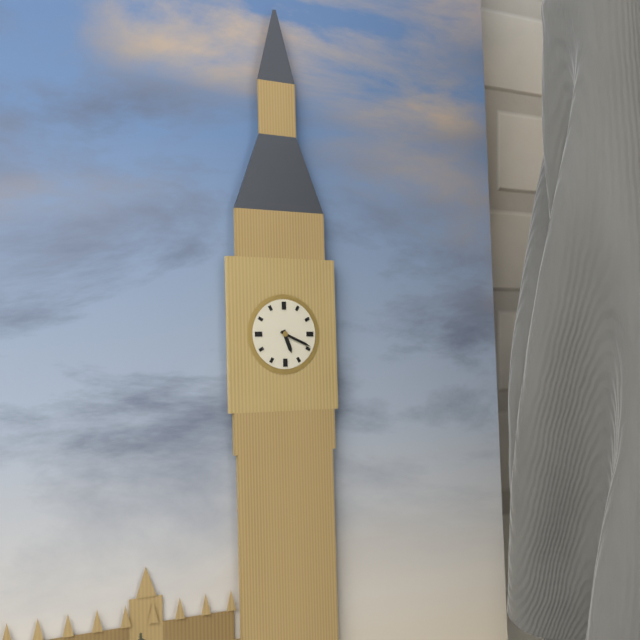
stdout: 5h19
